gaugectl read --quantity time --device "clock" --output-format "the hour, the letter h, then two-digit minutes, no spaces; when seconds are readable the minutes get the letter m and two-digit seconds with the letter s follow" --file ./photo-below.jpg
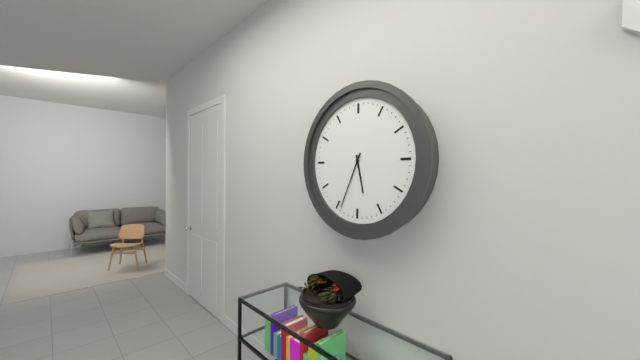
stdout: 5h34
